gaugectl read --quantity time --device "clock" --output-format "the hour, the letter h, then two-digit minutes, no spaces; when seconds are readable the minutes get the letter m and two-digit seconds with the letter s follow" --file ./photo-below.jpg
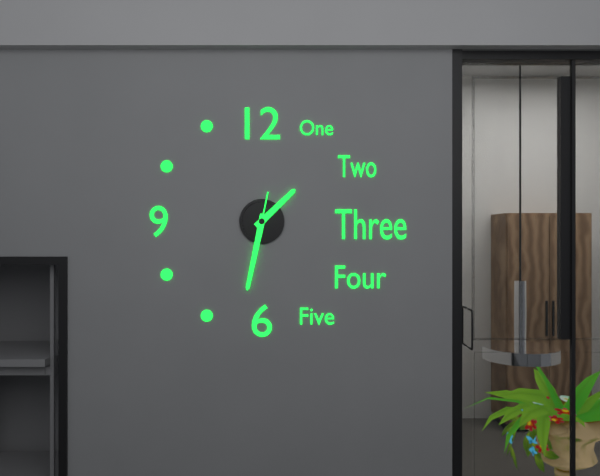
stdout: 1h32m32s
